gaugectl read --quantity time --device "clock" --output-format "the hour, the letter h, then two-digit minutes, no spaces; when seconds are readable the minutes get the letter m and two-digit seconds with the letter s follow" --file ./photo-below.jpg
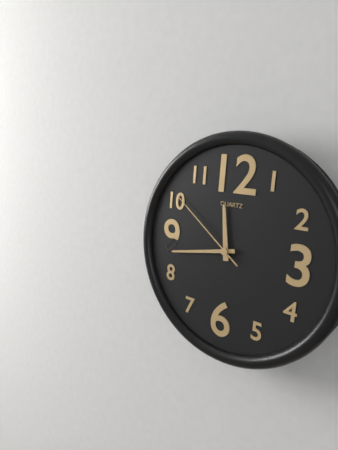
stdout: 11h43m51s
